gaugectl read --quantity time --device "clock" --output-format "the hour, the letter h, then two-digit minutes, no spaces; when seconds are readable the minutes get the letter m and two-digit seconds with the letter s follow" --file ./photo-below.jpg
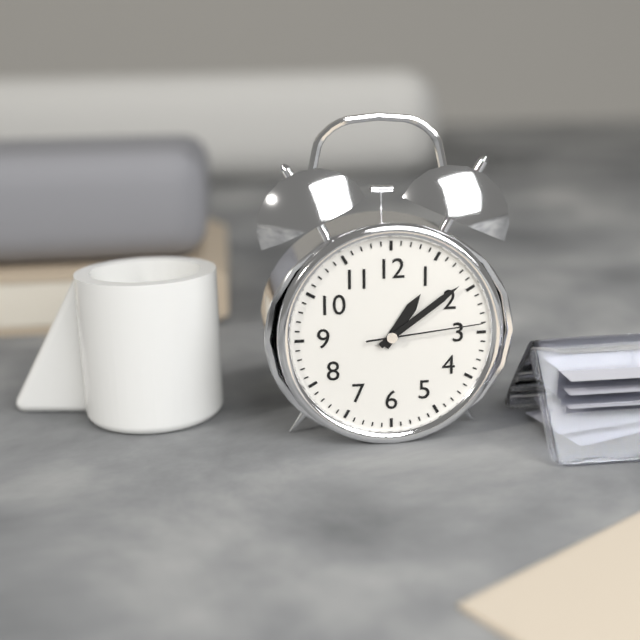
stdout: 1h09m14s
